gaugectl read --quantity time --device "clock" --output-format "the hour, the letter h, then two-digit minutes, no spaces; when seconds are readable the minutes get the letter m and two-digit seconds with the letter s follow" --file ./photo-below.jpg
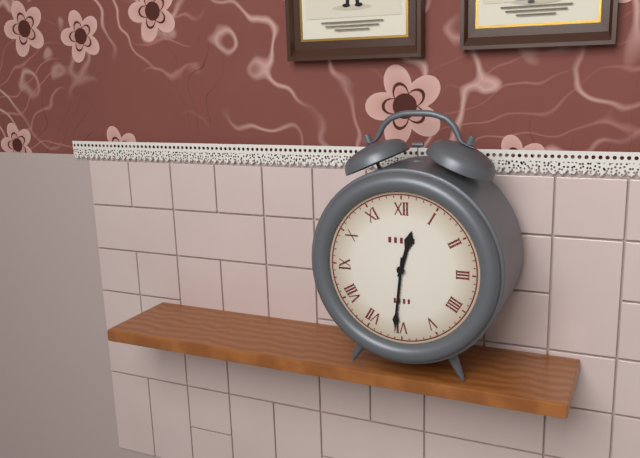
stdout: 12h31
